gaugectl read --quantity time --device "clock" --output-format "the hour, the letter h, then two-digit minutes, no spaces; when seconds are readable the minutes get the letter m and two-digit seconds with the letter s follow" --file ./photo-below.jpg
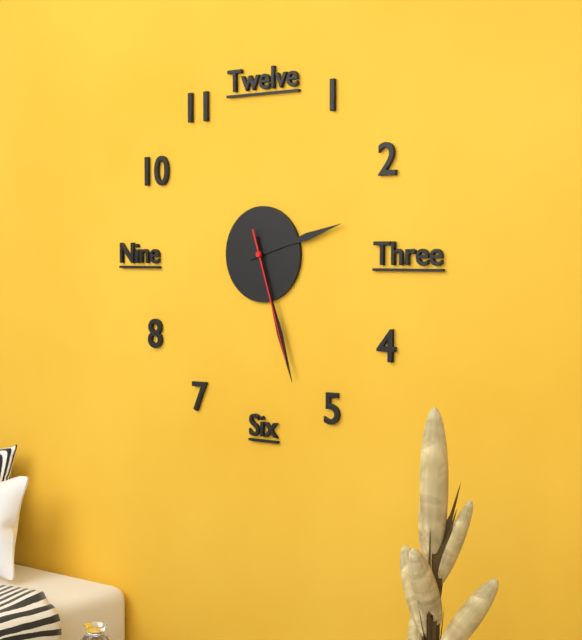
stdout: 2h27m27s
